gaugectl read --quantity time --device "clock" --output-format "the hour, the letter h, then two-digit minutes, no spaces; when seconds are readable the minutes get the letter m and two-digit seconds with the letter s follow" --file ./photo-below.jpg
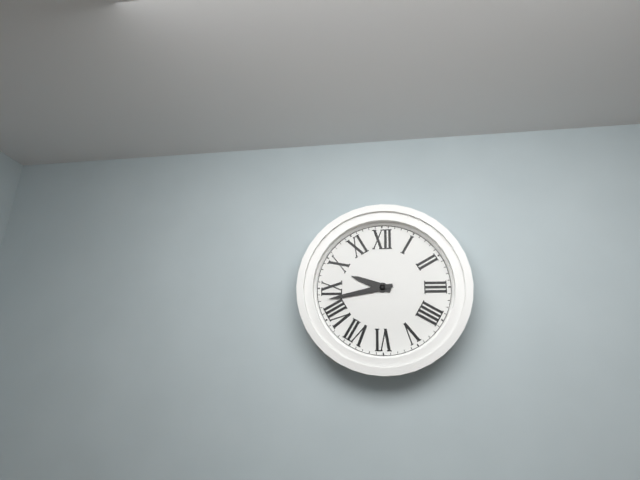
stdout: 9h43
